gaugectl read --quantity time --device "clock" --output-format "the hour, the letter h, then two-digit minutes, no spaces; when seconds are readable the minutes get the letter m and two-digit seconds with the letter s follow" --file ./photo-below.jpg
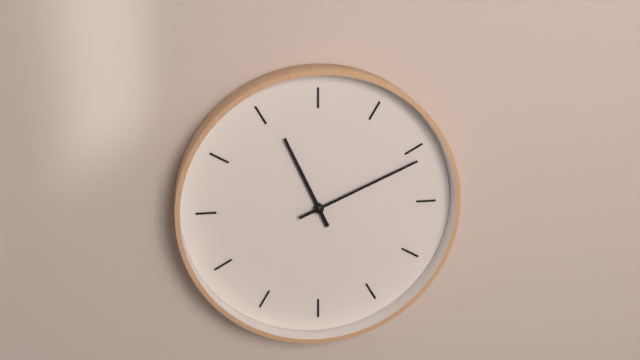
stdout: 11h11
